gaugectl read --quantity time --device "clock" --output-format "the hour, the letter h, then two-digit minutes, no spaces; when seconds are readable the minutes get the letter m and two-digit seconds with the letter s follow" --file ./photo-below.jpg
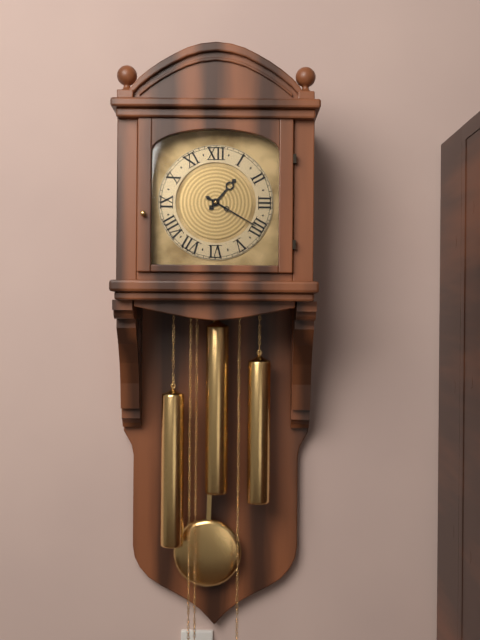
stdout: 1h20
